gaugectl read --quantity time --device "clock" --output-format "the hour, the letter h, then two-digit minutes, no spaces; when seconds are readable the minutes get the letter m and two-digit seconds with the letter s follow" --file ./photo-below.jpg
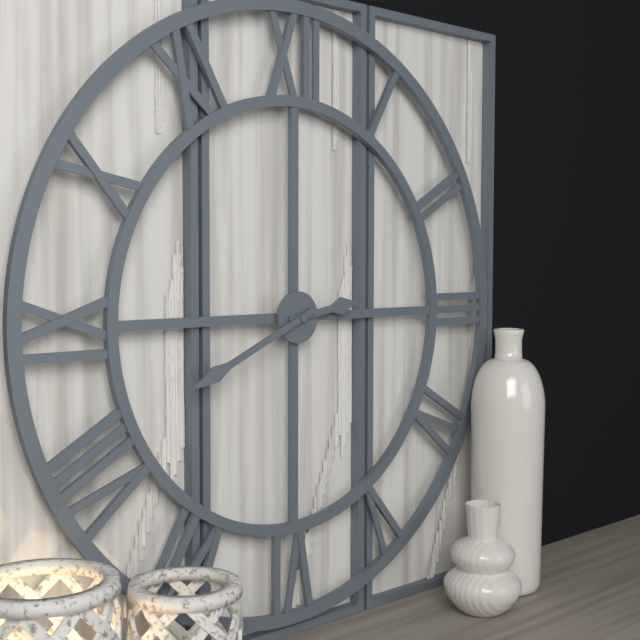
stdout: 2h41
